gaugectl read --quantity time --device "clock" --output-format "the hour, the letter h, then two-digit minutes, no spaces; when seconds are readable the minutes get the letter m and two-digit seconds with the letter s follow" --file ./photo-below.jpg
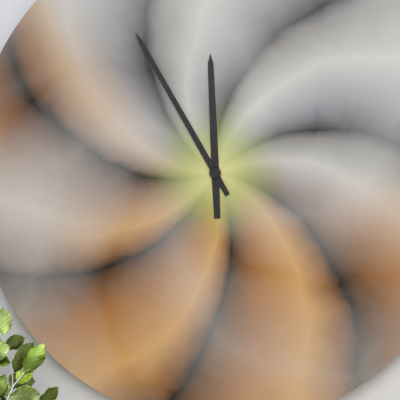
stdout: 11h55
